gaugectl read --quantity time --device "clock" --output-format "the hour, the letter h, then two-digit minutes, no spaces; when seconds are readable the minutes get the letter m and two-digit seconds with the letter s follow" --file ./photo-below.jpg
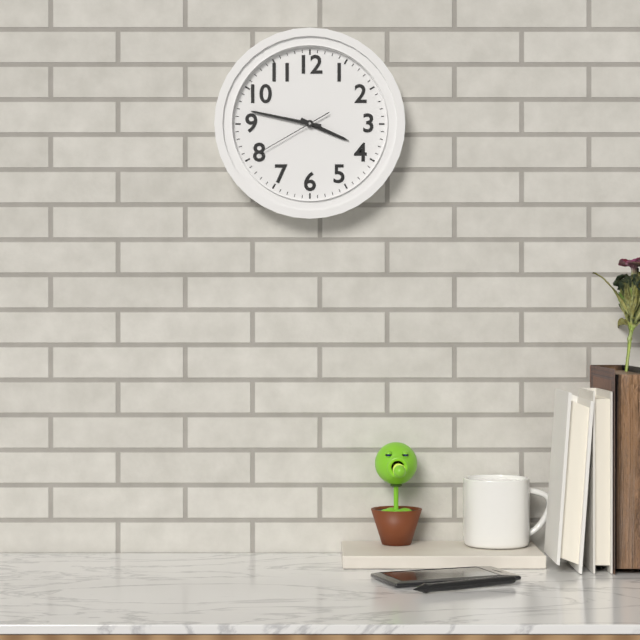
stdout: 3h47m40s
